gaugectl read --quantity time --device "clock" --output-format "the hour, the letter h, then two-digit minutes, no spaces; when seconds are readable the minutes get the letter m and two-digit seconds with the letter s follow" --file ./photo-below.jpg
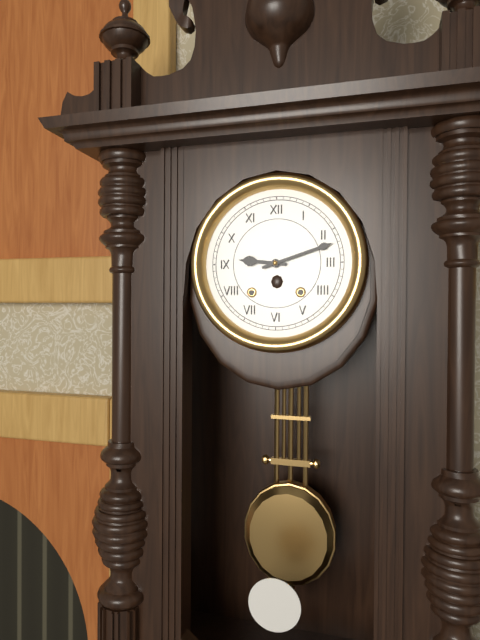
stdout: 9h12
